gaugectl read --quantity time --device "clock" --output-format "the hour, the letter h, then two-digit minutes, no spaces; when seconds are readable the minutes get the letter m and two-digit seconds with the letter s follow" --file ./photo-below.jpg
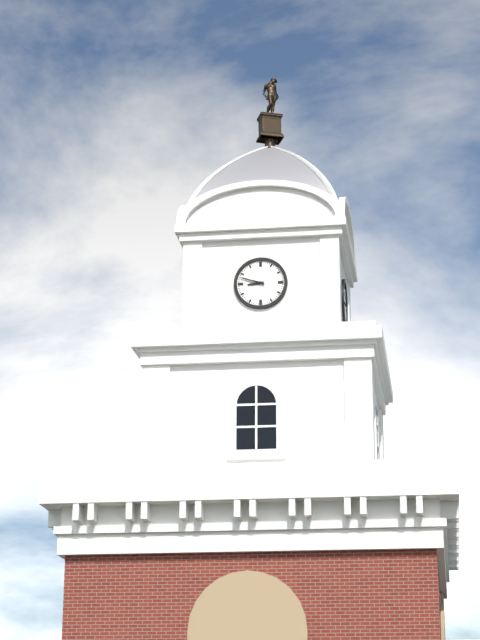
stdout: 8h48
